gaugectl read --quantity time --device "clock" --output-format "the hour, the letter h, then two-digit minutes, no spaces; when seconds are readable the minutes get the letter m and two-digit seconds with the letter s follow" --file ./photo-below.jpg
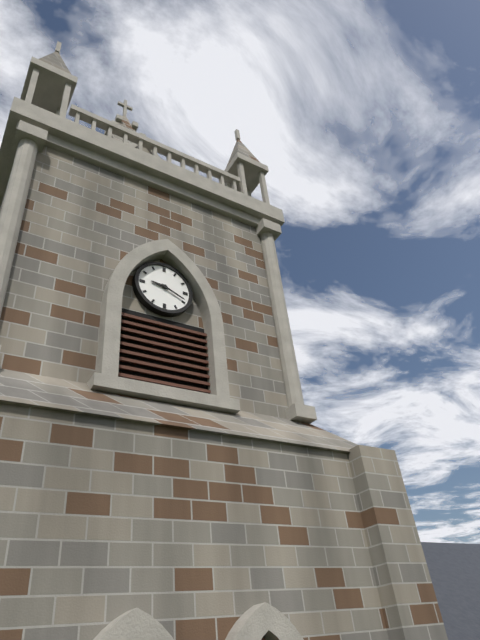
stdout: 9h19
